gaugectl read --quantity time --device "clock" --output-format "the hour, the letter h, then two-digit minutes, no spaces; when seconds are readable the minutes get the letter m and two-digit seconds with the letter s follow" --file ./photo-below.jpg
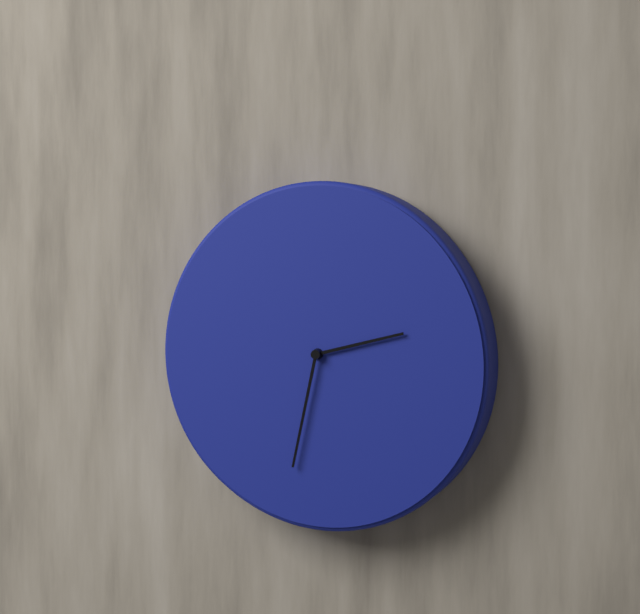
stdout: 2h32
